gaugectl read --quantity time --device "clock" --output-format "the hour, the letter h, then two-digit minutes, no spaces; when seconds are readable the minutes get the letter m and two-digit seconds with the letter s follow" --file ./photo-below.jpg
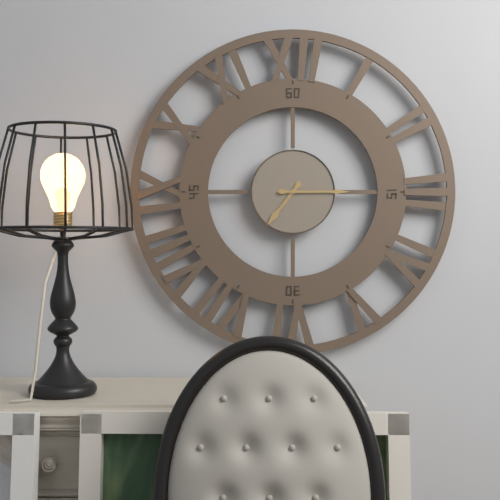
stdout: 7h15
